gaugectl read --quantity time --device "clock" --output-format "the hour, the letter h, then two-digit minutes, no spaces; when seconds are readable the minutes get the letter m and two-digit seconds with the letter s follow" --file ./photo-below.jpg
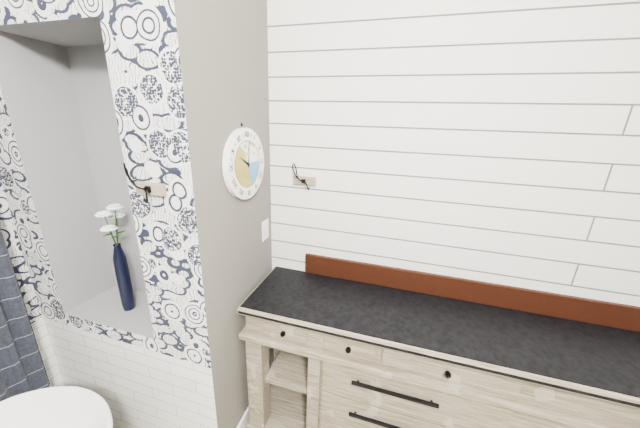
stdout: 10h01
